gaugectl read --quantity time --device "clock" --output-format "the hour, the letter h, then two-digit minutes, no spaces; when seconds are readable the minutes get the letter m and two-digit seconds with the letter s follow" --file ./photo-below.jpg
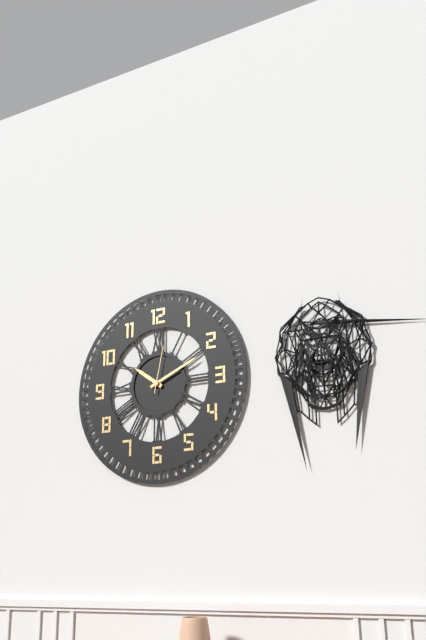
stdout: 10h11
